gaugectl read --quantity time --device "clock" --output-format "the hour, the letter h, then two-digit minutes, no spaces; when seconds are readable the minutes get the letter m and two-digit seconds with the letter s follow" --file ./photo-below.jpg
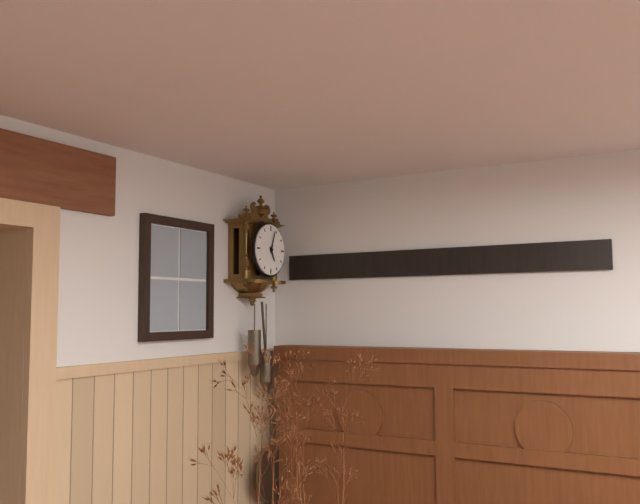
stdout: 5h03
